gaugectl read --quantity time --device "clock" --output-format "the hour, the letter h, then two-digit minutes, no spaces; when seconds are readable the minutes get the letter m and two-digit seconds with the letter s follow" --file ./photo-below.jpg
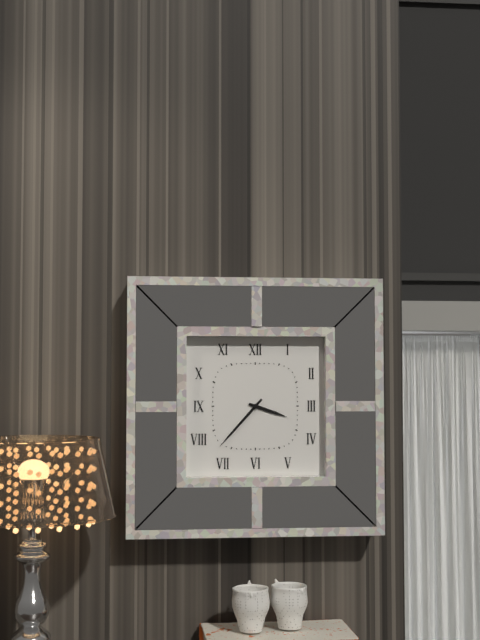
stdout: 3h37
